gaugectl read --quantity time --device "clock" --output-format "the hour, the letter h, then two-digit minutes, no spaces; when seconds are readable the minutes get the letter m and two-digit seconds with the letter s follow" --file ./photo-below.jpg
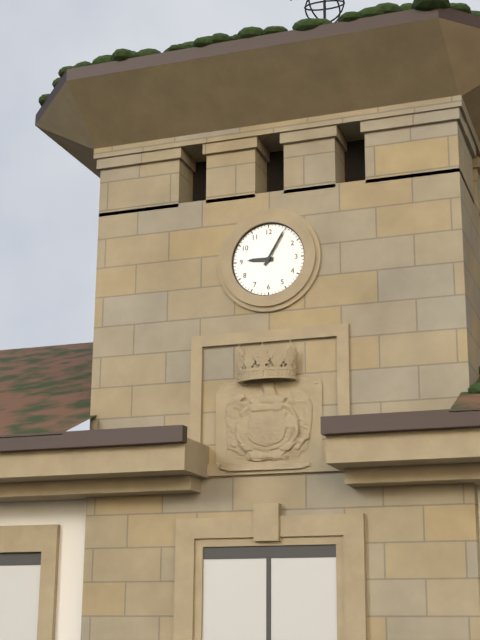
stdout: 9h05
